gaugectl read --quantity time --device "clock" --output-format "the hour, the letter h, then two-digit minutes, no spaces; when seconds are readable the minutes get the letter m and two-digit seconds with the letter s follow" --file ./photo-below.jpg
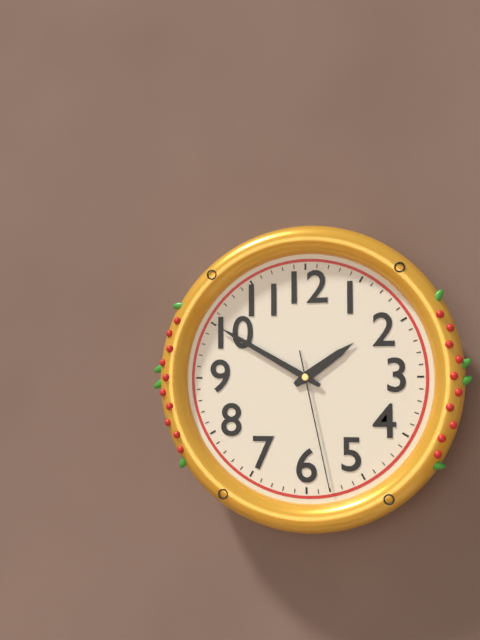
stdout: 1h50m28s
